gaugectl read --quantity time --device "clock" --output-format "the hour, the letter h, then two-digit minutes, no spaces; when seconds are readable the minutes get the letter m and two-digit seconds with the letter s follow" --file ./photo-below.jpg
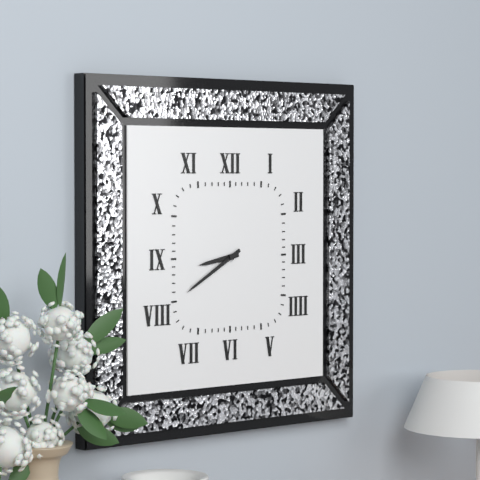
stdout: 8h40
